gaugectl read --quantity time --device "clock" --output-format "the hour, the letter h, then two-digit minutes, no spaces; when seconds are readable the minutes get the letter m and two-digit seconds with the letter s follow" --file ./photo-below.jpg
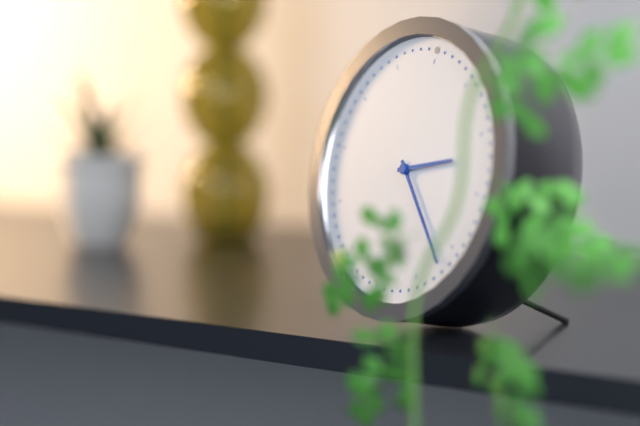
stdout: 2h22
